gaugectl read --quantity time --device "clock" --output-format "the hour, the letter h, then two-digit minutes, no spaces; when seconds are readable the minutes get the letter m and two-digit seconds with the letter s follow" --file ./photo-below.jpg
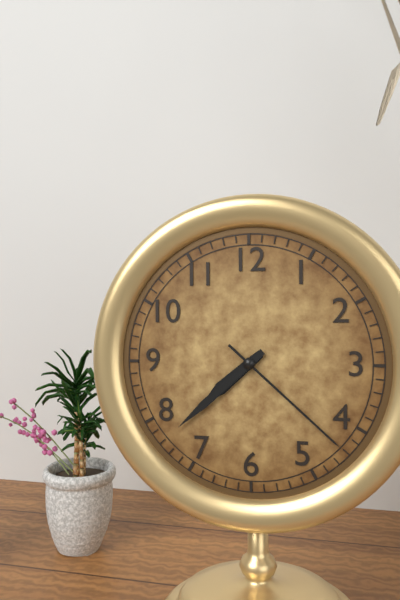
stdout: 7h38m22s
